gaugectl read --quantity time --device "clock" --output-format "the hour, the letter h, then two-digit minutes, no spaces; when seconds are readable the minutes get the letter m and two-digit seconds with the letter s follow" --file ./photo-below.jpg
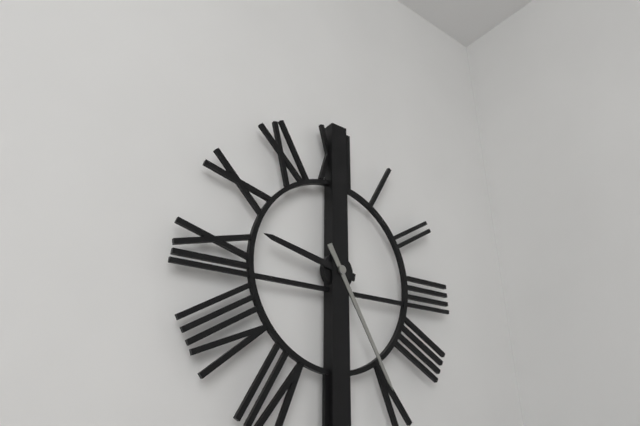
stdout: 9h25
